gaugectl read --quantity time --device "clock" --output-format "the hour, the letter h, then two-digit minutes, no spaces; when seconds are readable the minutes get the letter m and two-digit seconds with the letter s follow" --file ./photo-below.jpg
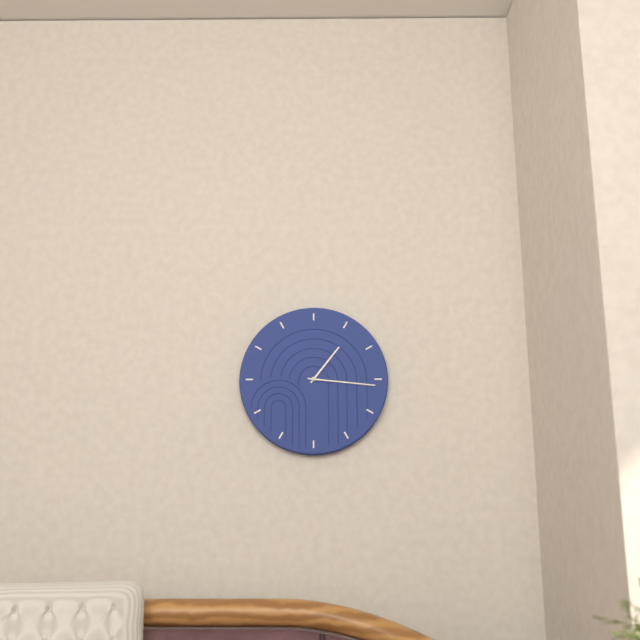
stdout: 1h16
